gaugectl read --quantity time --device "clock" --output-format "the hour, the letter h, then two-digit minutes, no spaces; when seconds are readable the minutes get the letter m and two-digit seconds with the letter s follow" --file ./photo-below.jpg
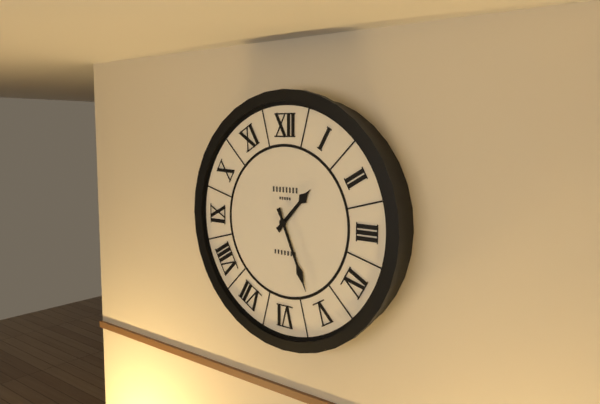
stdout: 1h26
